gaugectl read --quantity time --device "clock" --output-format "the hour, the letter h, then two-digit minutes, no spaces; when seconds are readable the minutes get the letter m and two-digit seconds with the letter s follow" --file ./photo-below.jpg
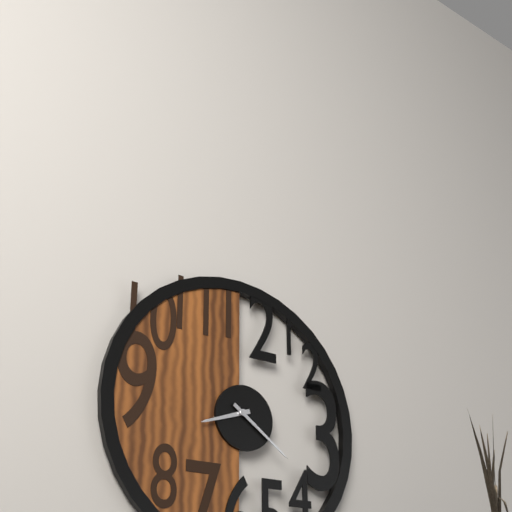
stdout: 8h21
